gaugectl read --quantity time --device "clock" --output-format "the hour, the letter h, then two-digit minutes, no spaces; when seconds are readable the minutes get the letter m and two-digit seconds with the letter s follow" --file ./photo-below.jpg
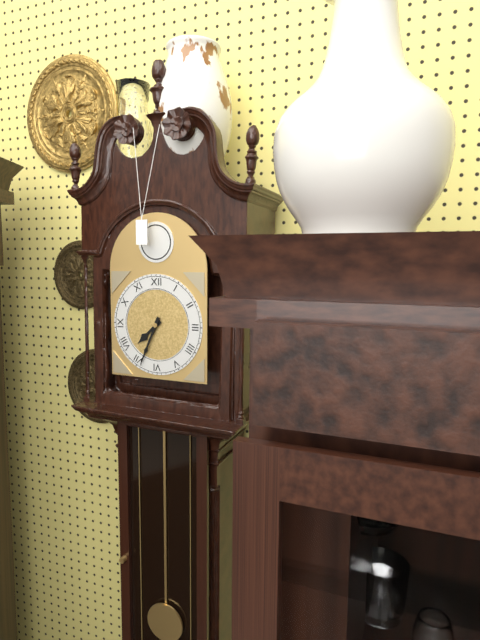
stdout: 7h34
